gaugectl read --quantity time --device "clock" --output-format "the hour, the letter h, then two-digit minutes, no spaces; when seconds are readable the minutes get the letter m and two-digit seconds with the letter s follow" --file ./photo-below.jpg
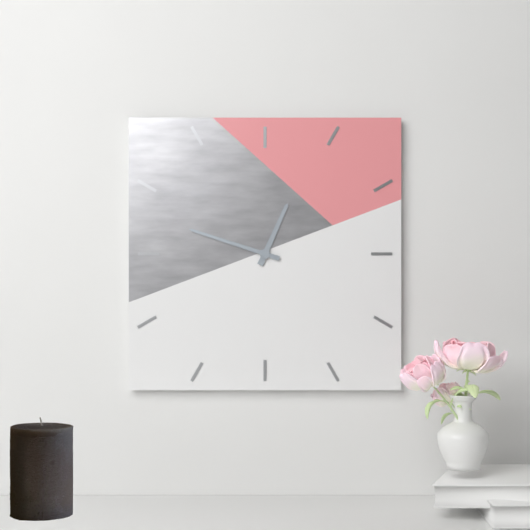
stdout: 12h48
